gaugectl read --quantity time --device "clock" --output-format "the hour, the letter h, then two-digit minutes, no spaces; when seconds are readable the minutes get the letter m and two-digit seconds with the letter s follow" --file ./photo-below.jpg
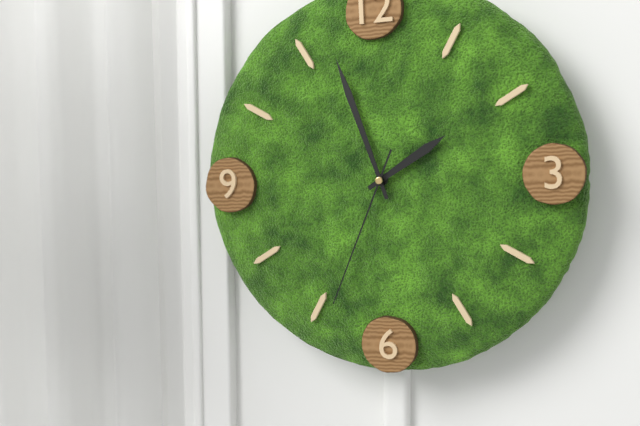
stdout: 1h57m34s
